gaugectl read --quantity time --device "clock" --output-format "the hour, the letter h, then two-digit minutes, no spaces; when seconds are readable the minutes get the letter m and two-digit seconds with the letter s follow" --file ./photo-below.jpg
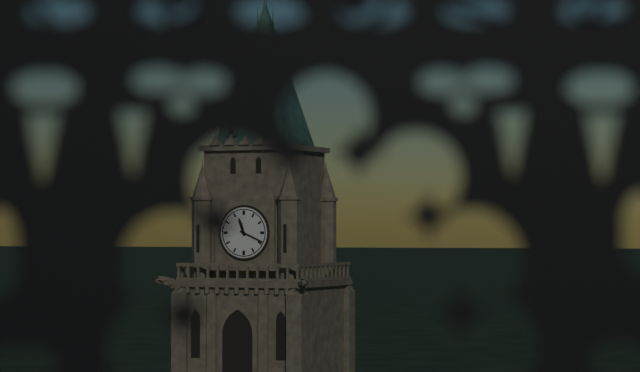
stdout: 11h19
